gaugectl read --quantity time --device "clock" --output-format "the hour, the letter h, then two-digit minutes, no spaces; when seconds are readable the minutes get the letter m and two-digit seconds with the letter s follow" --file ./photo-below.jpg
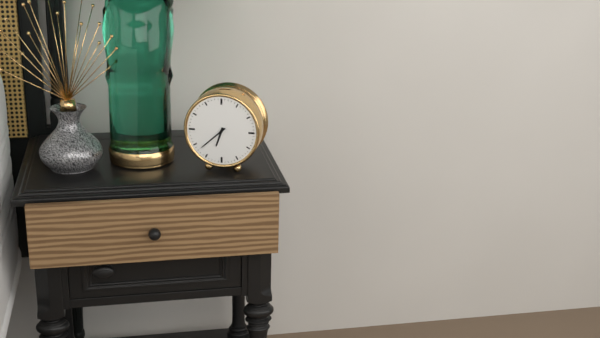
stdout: 6h38
